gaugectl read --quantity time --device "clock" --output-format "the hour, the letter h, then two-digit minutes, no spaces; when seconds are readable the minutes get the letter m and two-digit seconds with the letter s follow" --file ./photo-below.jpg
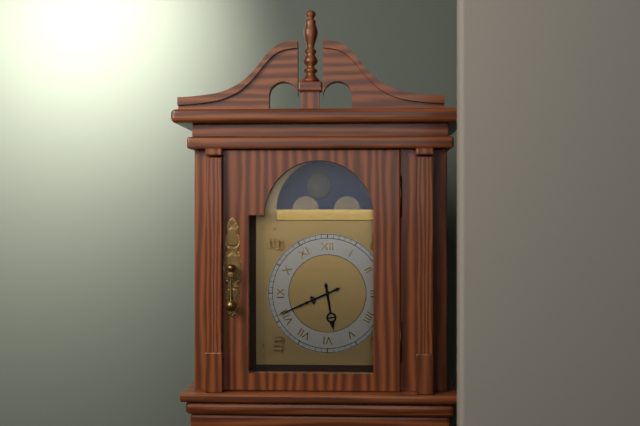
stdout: 5h41
